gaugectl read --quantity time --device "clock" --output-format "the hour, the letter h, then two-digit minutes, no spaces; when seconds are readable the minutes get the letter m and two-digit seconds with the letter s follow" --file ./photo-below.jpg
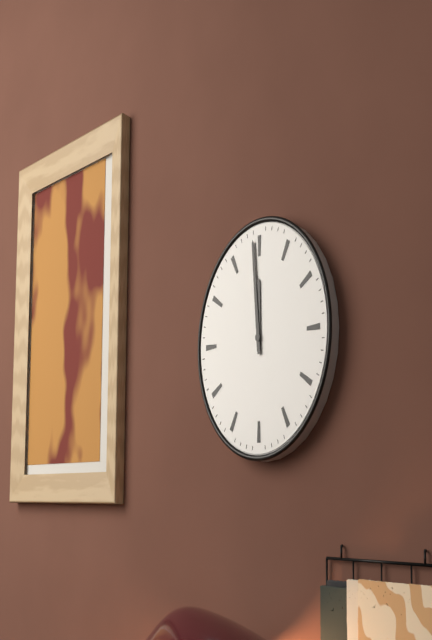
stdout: 11h59
